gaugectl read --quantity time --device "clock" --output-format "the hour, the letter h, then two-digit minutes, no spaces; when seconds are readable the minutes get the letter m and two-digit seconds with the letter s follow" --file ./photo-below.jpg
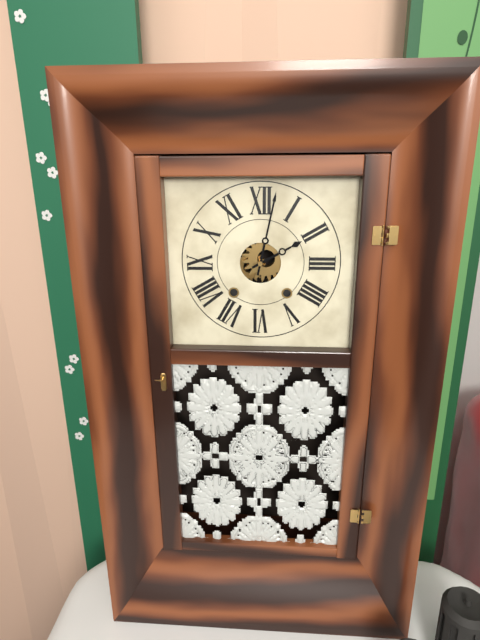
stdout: 2h02
